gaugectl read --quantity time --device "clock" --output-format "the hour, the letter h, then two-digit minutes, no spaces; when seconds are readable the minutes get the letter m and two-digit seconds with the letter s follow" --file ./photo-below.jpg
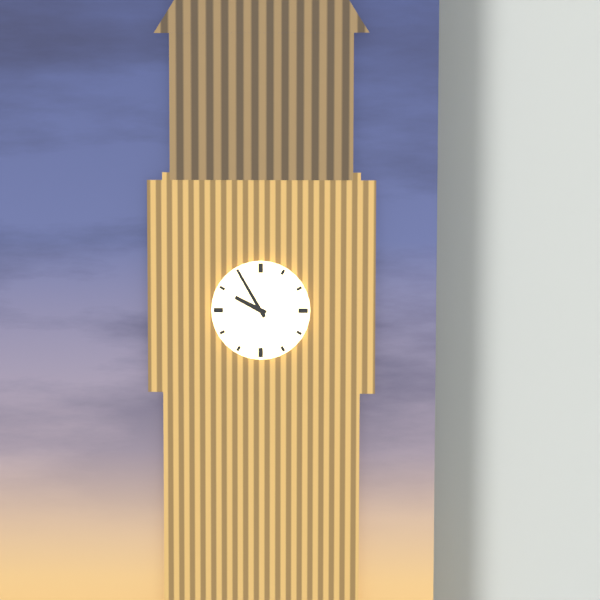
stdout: 9h55
